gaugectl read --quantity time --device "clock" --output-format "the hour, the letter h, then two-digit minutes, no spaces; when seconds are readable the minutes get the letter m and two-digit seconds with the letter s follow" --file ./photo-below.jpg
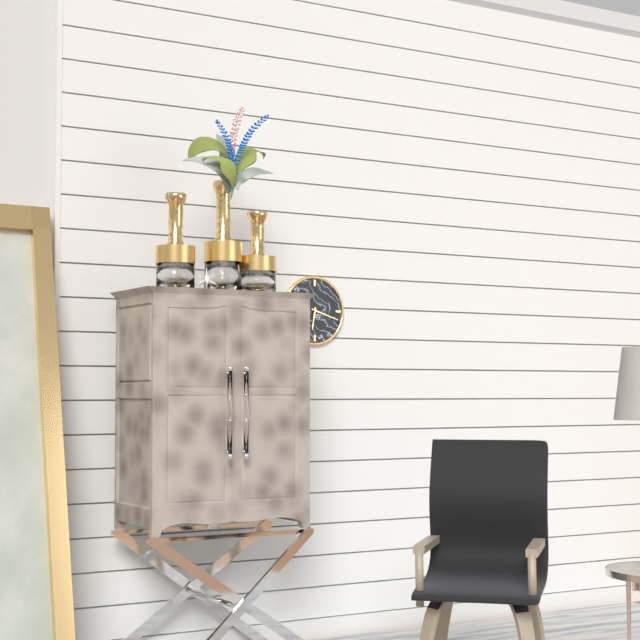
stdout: 6h18
